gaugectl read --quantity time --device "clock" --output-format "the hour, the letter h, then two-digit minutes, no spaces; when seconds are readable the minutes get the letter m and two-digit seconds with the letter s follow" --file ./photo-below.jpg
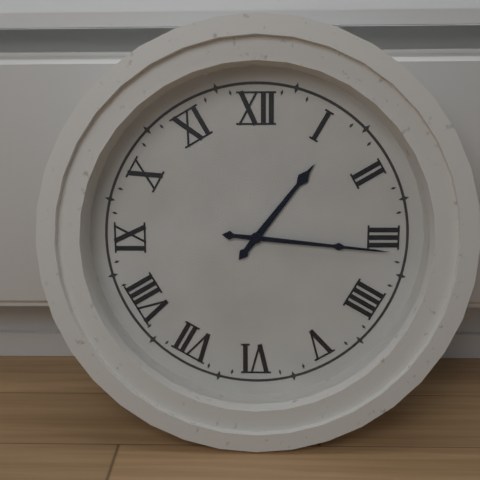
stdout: 1h16
